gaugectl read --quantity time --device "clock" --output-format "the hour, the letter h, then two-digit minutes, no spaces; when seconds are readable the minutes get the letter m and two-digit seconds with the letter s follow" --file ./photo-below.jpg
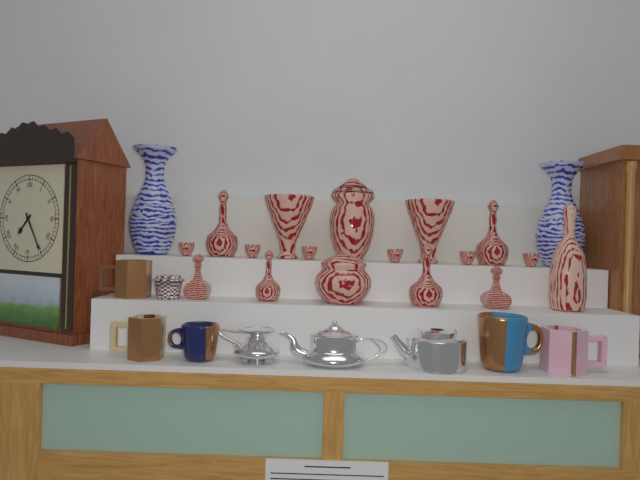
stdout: 7h25
